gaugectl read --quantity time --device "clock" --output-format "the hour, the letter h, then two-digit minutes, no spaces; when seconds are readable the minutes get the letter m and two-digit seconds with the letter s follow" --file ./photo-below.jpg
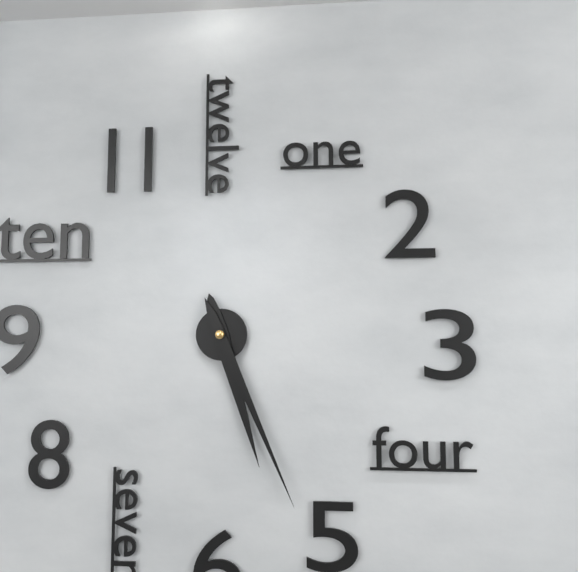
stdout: 5h26
